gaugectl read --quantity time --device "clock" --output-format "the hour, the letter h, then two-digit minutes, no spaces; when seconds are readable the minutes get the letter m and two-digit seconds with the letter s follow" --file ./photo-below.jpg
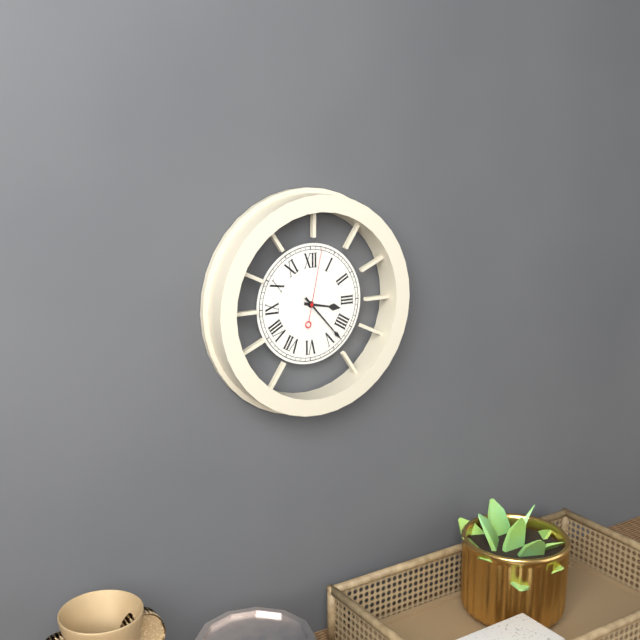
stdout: 3h23m02s
